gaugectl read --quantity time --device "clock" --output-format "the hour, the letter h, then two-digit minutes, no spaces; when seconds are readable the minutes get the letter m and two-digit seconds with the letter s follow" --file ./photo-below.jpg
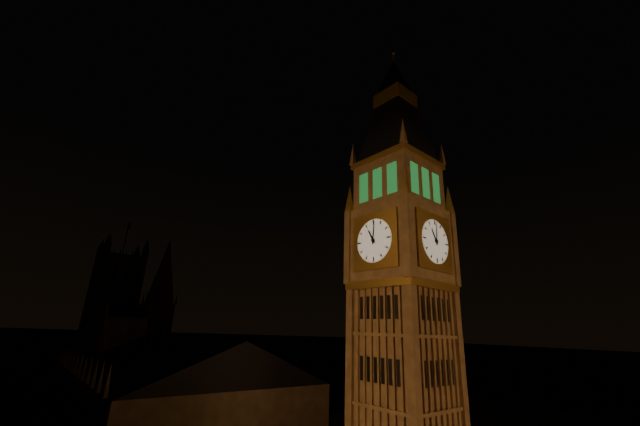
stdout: 11h01
